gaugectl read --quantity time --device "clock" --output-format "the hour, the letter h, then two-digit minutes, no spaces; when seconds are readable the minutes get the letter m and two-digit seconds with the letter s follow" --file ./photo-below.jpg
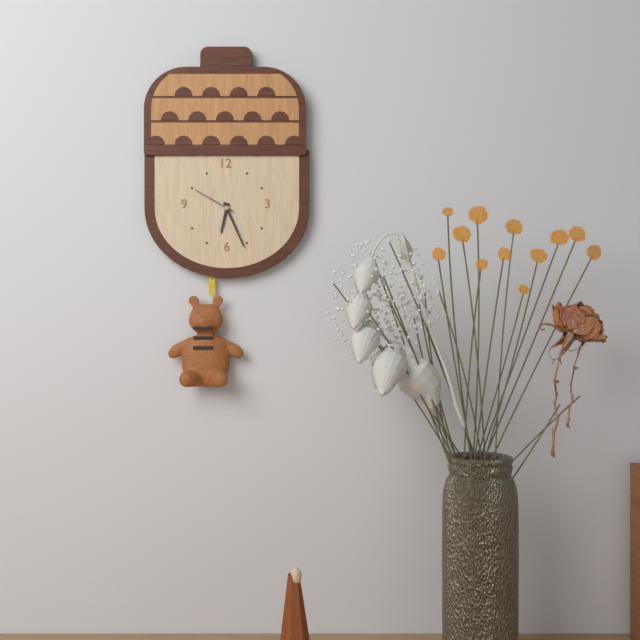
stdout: 6h26
